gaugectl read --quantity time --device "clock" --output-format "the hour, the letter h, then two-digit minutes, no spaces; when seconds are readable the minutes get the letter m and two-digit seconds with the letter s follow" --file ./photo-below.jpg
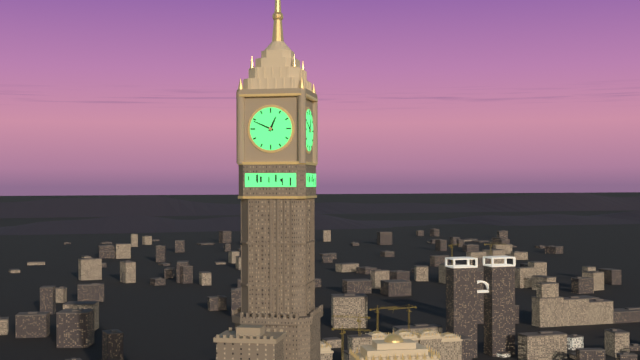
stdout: 12h49
